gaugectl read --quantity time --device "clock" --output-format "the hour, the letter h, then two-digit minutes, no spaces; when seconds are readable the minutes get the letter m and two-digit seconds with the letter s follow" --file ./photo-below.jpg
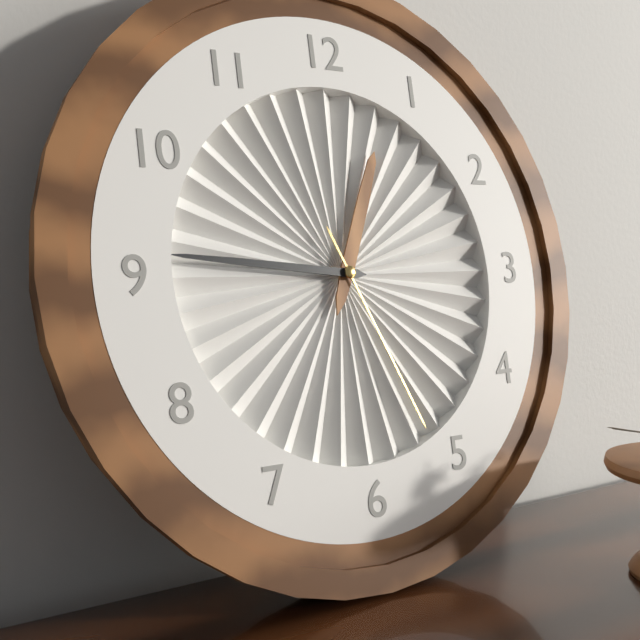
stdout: 12h46m26s
